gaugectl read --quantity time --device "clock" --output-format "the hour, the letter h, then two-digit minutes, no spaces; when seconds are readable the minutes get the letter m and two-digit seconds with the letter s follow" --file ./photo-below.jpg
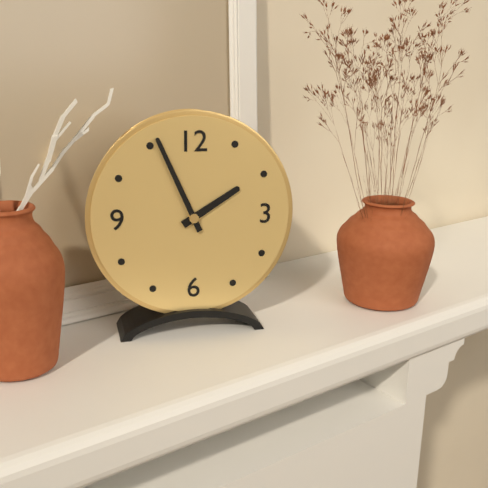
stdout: 1h56
